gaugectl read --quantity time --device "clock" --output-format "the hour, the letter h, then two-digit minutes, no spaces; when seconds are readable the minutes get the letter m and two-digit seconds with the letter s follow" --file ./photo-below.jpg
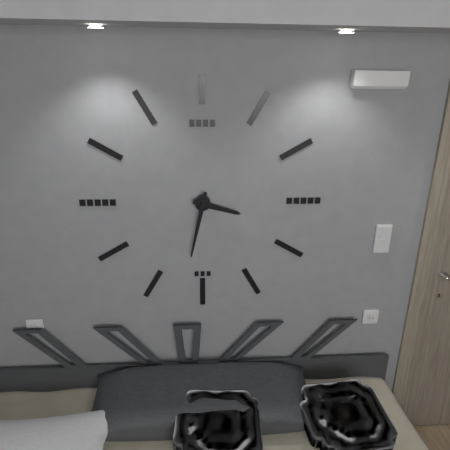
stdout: 3h32
